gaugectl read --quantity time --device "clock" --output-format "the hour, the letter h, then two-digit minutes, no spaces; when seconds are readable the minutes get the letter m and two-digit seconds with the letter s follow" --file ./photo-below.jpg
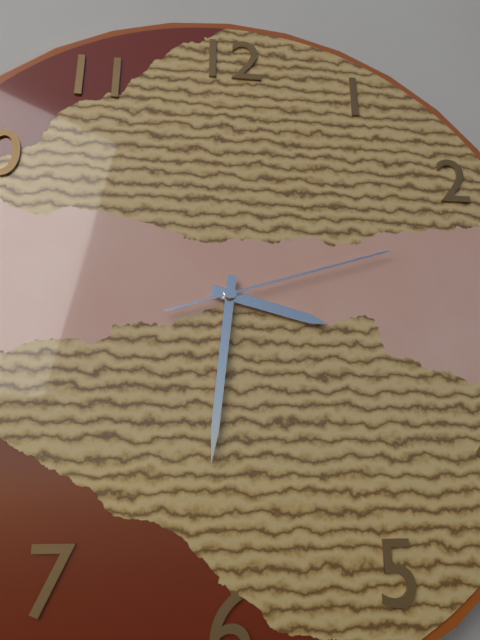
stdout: 3h31m12s
